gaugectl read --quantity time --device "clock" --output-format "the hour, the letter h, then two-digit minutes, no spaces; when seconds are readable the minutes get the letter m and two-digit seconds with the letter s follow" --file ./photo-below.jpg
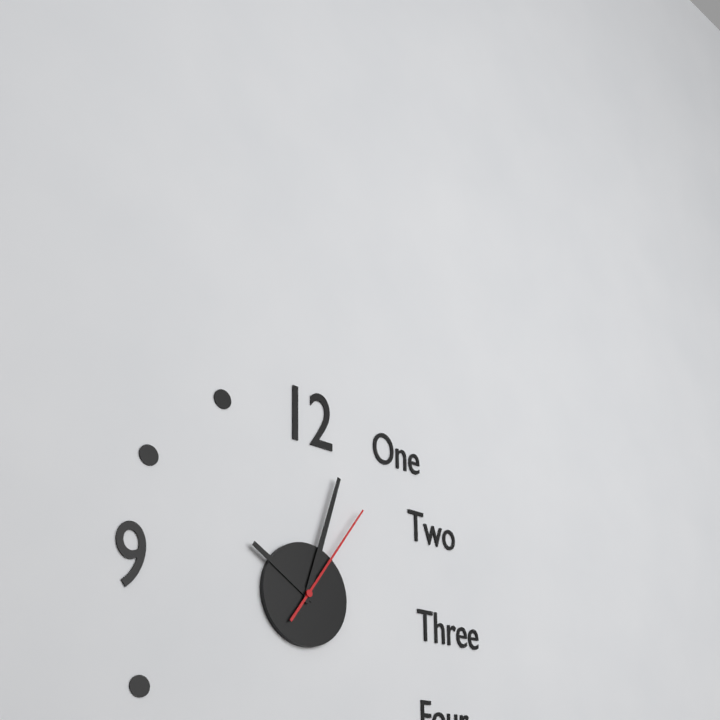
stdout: 10h03m06s
